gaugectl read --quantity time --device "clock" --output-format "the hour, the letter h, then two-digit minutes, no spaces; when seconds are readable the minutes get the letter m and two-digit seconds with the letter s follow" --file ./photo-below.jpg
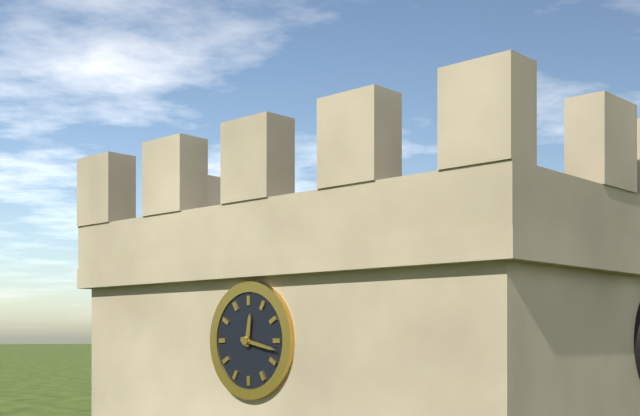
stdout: 12h17
